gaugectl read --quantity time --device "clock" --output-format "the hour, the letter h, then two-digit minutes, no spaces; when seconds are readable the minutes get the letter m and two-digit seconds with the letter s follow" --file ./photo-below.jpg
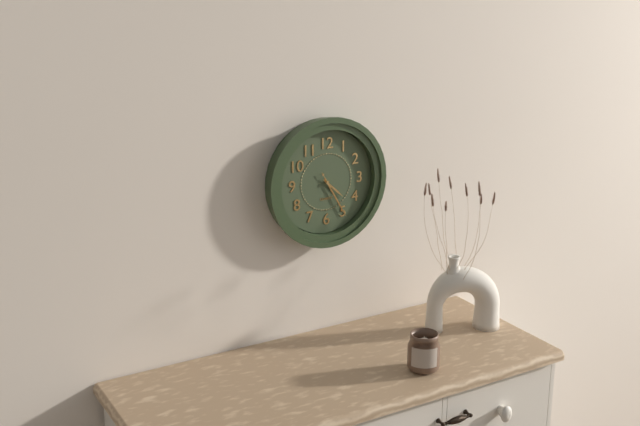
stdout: 4h25
